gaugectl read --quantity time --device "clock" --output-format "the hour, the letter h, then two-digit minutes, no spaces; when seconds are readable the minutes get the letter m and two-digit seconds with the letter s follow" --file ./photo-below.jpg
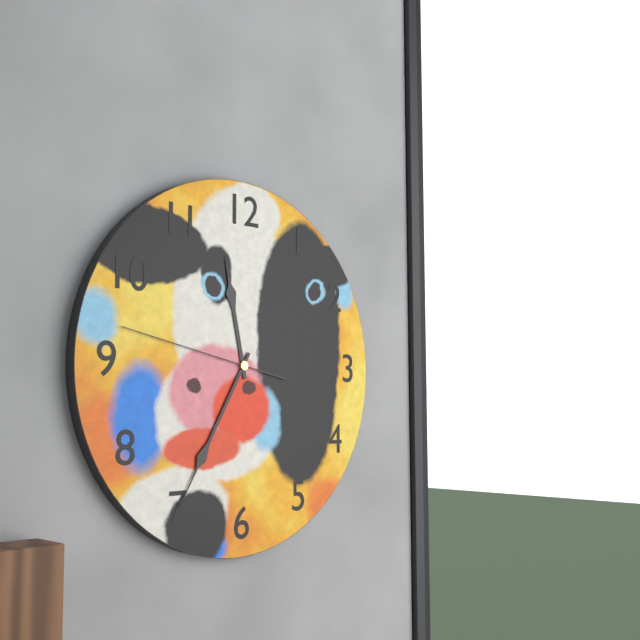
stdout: 11h35m47s
